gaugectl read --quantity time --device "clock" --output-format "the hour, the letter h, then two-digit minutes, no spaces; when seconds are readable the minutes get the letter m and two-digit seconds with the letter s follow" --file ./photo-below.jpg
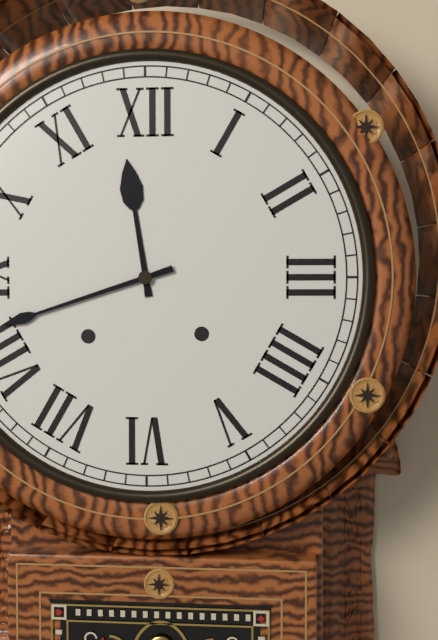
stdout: 11h42
